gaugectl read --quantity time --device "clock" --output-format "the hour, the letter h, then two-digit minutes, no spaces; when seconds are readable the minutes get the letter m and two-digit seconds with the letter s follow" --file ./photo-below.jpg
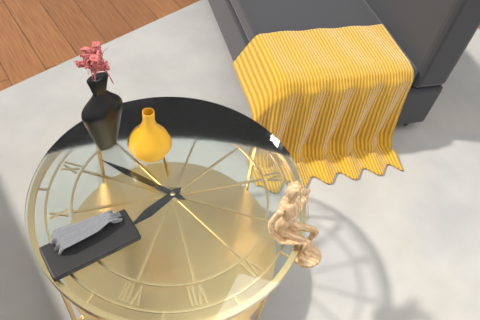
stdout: 8h57
